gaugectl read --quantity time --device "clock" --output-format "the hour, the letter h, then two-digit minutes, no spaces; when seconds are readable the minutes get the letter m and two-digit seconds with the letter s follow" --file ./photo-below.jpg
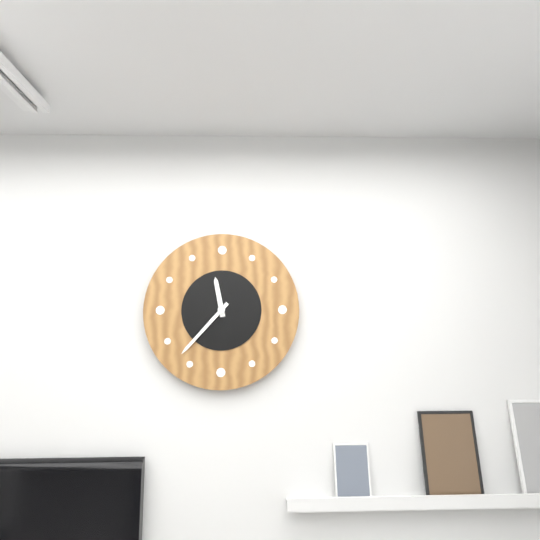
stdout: 11h37
